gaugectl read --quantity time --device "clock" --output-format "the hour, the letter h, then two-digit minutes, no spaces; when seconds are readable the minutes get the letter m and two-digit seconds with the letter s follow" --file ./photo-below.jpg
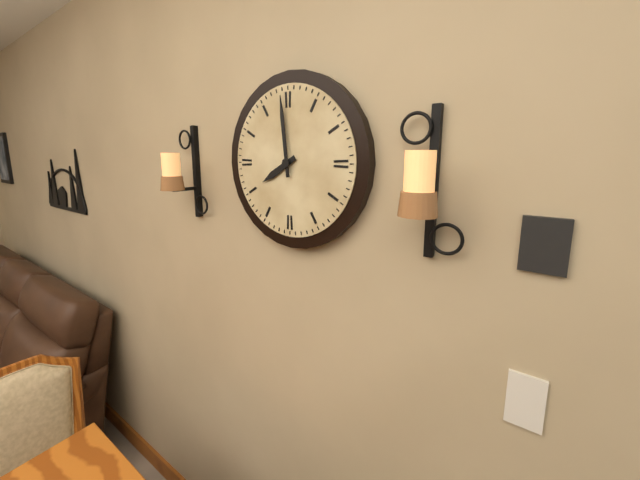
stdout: 7h59
